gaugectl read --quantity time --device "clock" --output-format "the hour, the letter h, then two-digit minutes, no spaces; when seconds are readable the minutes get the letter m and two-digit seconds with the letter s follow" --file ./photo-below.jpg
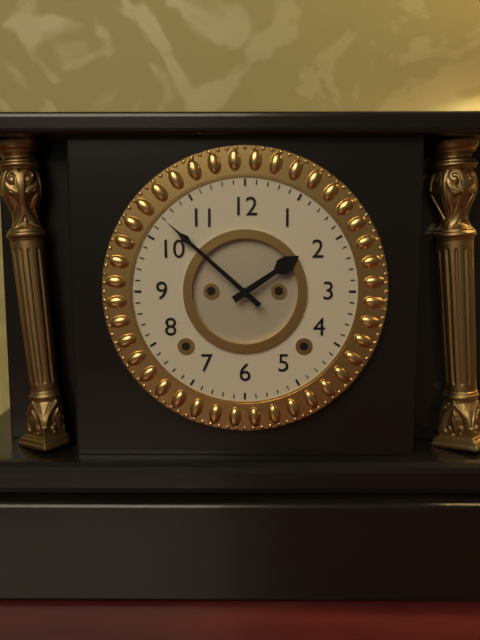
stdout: 1h52
